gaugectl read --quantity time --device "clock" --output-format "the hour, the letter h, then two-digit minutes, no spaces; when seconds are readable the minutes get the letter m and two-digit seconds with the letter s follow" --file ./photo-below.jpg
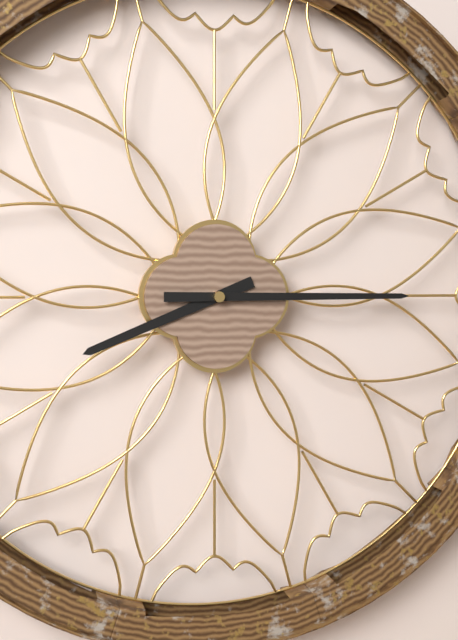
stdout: 8h15
